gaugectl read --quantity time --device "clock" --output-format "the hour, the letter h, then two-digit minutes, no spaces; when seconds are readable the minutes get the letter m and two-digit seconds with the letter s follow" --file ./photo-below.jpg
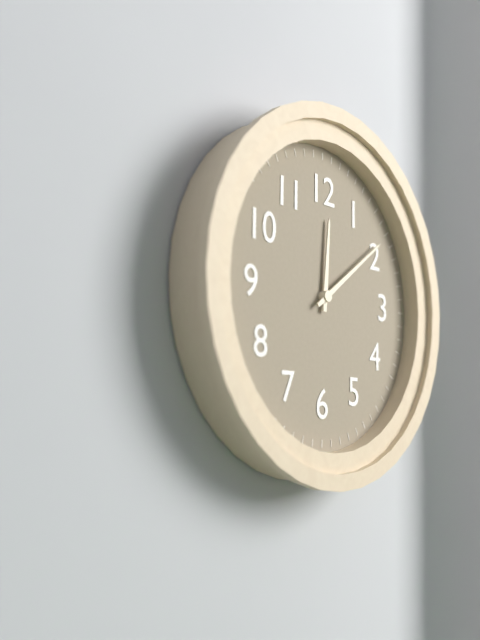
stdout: 12h09
